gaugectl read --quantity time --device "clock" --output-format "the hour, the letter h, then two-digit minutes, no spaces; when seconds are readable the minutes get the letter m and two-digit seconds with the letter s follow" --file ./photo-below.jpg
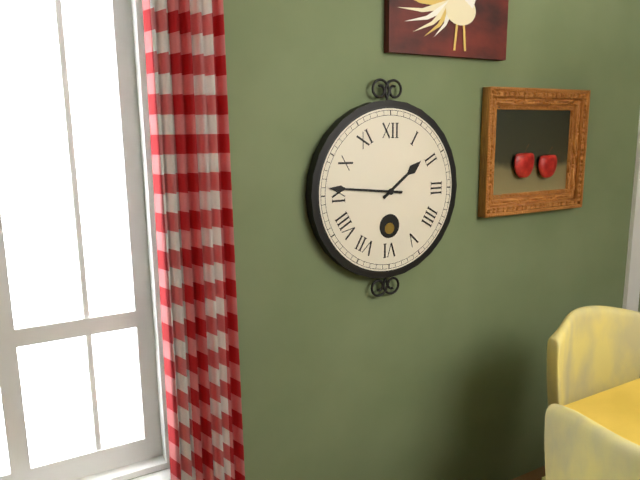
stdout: 1h46
